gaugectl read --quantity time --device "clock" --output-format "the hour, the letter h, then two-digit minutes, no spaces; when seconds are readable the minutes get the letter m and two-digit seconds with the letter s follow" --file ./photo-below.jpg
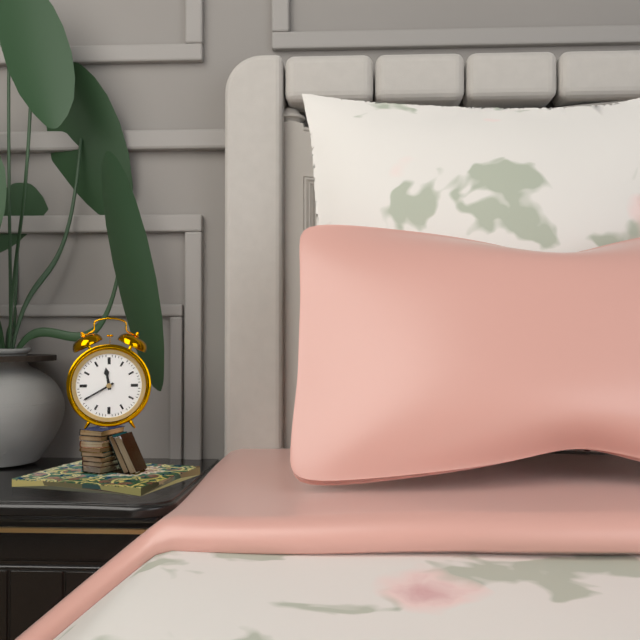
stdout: 11h40
